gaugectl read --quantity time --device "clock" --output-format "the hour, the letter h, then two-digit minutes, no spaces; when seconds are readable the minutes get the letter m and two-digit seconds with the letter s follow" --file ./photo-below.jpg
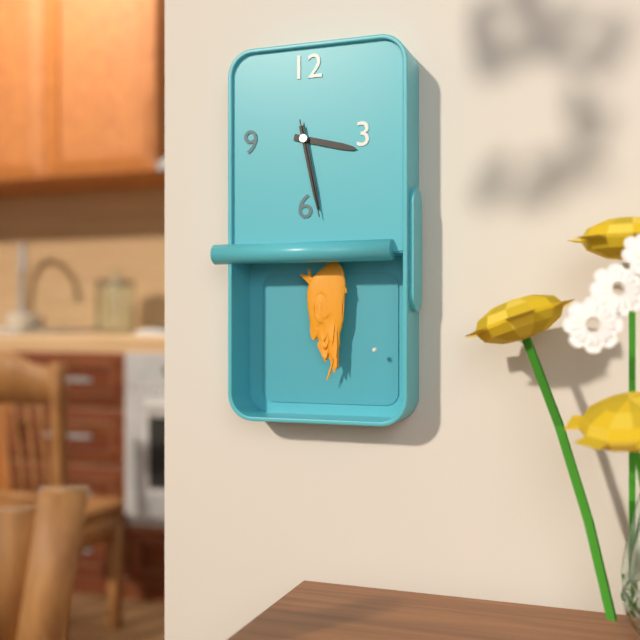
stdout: 3h28m28s
